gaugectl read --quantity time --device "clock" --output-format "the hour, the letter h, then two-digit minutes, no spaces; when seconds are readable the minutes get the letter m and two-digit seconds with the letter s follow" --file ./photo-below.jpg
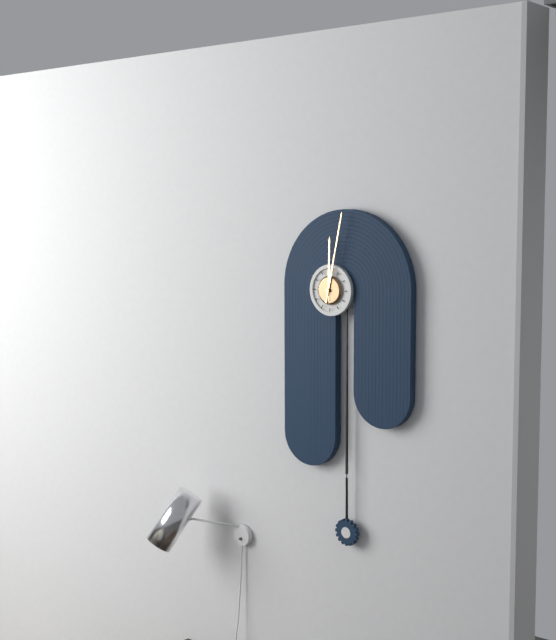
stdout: 12h02
